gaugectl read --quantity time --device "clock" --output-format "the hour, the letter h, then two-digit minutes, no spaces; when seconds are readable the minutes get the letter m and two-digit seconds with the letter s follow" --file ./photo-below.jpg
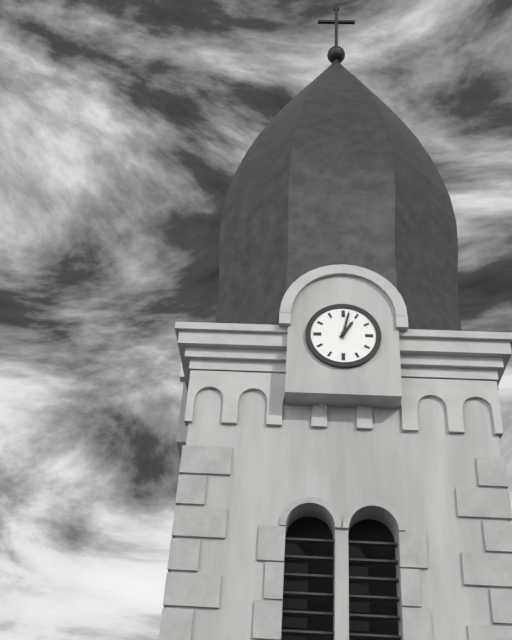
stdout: 1h02
